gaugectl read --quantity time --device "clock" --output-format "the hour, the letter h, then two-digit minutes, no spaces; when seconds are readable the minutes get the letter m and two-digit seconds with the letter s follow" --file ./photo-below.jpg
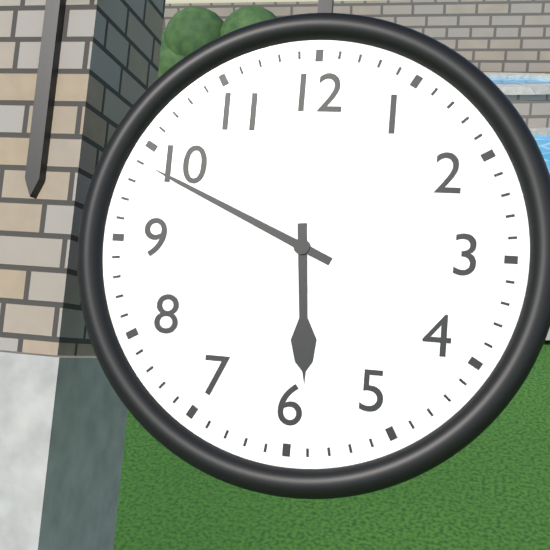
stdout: 5h49
